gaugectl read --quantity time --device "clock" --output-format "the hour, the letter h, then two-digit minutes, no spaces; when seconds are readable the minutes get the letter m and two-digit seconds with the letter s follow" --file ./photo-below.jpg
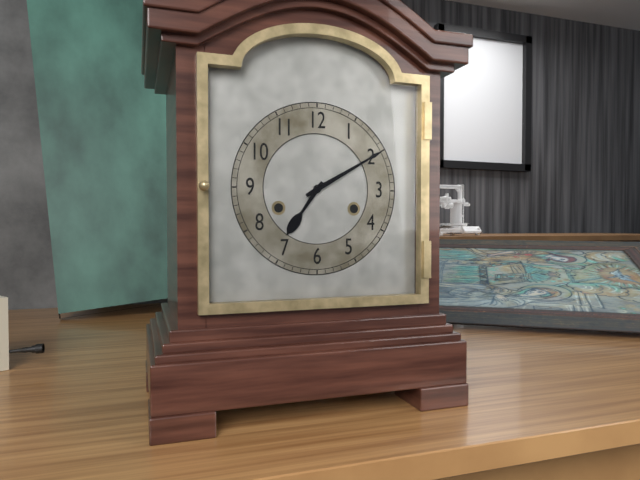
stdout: 7h10
